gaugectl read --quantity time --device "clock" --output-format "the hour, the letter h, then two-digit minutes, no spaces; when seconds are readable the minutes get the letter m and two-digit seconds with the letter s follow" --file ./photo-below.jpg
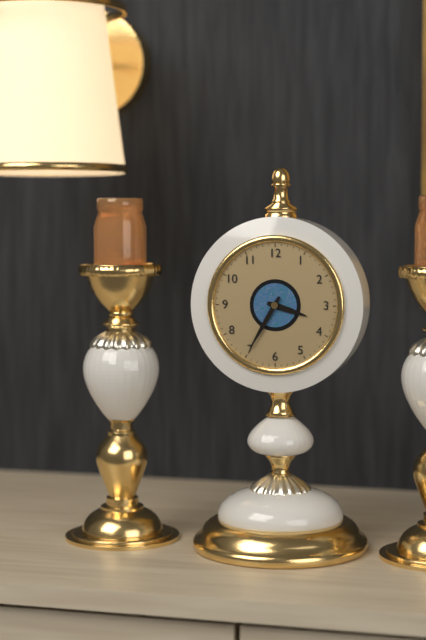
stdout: 3h35
